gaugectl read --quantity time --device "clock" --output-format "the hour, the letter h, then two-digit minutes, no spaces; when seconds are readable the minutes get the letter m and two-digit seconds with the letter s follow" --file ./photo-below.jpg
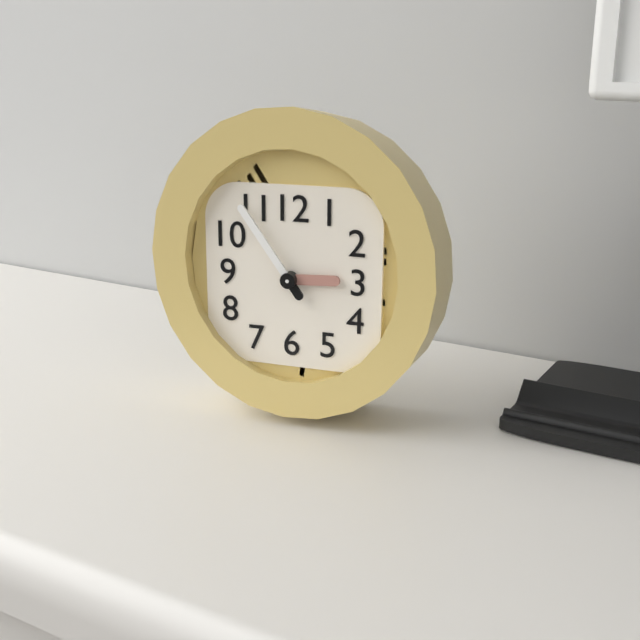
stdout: 2h54
